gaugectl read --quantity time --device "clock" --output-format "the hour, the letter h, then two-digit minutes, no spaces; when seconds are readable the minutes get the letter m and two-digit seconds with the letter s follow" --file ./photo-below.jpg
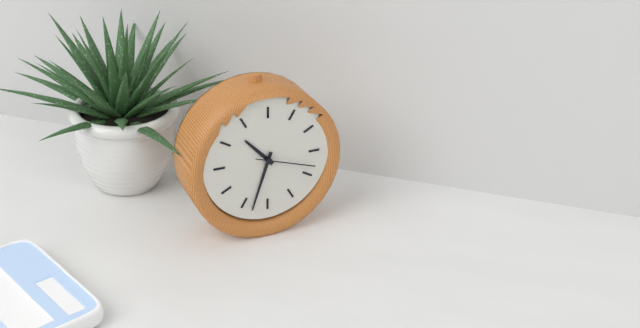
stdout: 10h33m18s
